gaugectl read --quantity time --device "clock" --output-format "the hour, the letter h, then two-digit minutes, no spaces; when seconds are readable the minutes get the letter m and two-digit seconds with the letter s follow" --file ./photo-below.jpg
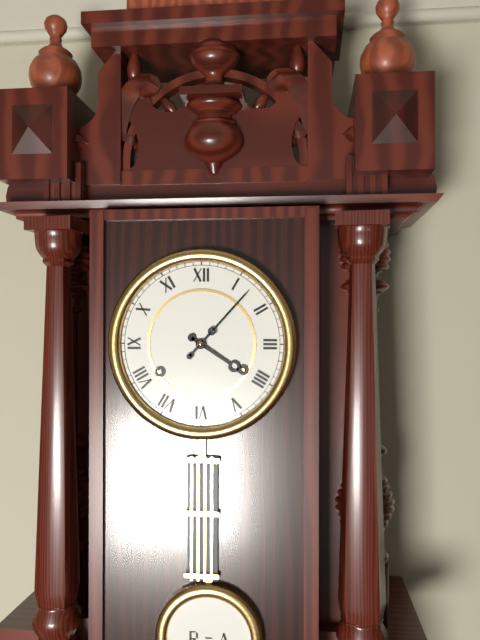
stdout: 4h07
